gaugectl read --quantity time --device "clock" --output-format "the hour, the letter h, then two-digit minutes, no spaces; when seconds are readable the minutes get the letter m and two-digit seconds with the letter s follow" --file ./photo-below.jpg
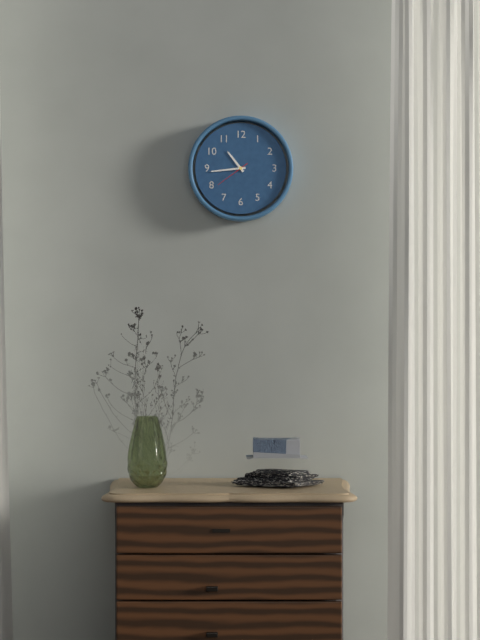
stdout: 10h44
